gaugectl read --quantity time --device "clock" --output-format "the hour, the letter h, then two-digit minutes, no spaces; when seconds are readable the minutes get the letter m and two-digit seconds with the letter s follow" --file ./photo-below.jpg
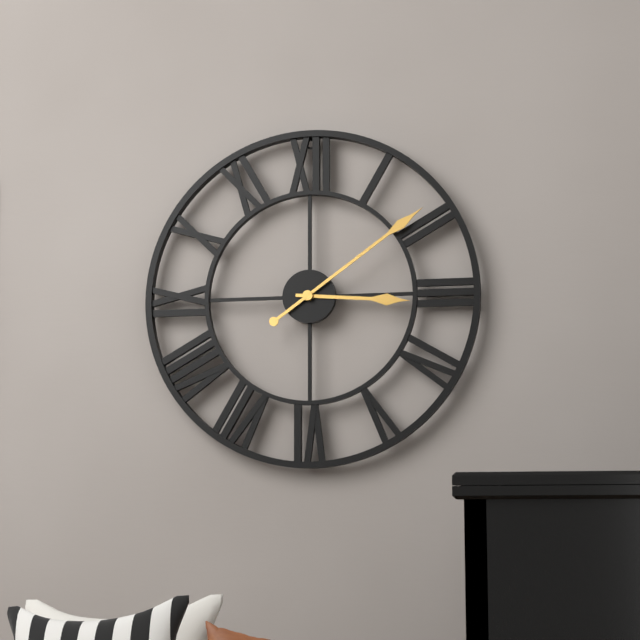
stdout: 3h09
